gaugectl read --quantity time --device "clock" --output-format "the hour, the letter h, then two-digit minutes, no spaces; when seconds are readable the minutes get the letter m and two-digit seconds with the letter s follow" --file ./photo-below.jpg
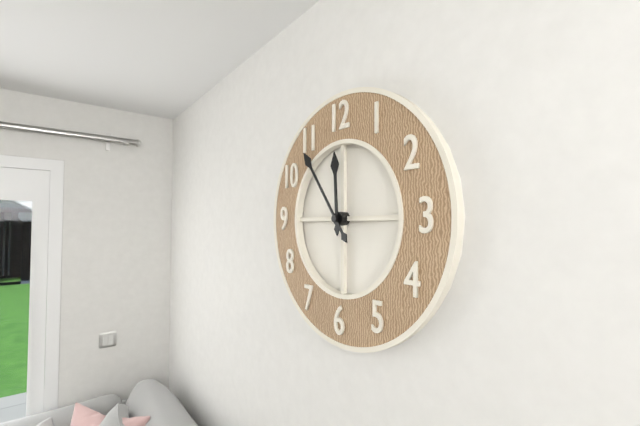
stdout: 11h54
